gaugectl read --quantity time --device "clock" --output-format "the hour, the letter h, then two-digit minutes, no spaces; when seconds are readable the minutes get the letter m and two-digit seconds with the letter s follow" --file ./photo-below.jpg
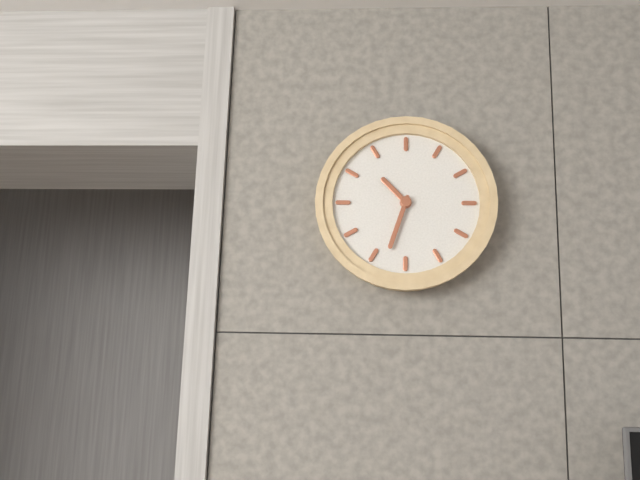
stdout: 10h33
